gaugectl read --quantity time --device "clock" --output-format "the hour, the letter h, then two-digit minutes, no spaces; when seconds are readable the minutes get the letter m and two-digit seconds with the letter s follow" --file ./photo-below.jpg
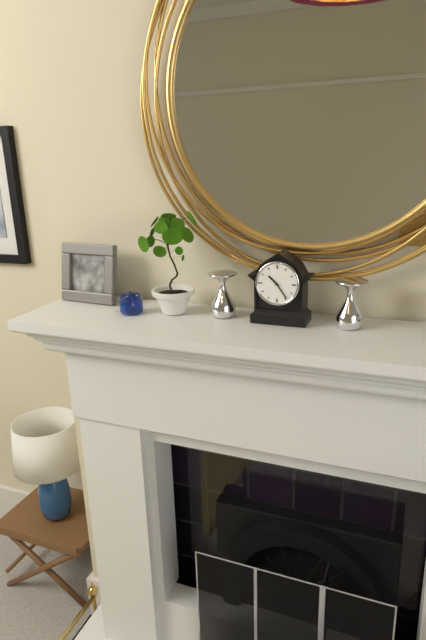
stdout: 10h24
